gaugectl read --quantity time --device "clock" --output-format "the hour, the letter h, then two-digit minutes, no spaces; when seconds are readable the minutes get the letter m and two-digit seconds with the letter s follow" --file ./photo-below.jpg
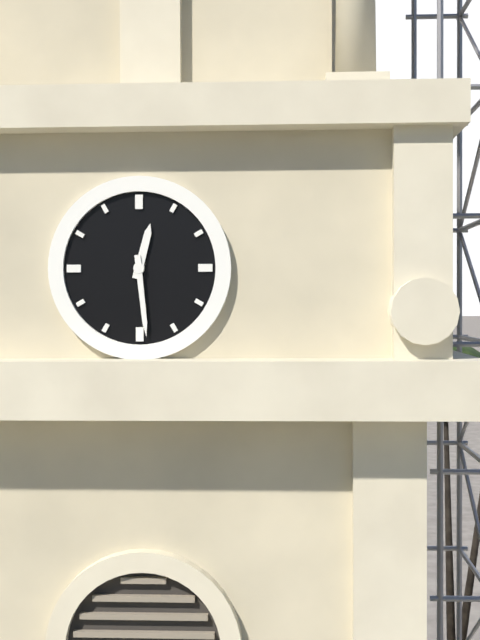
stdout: 12h29
